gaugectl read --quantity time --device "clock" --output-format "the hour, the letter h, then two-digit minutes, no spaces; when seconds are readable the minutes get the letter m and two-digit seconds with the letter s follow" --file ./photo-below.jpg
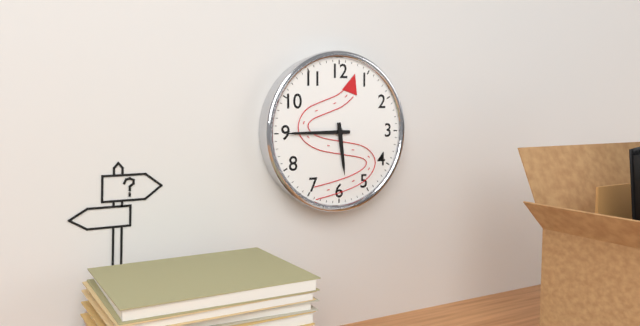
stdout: 5h45
